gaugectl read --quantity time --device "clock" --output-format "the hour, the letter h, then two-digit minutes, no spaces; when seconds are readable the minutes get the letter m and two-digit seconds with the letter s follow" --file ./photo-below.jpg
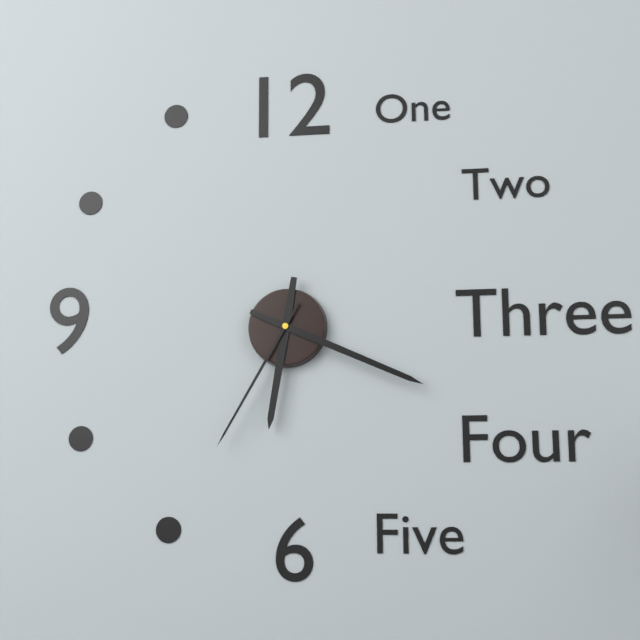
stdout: 6h19m35s
